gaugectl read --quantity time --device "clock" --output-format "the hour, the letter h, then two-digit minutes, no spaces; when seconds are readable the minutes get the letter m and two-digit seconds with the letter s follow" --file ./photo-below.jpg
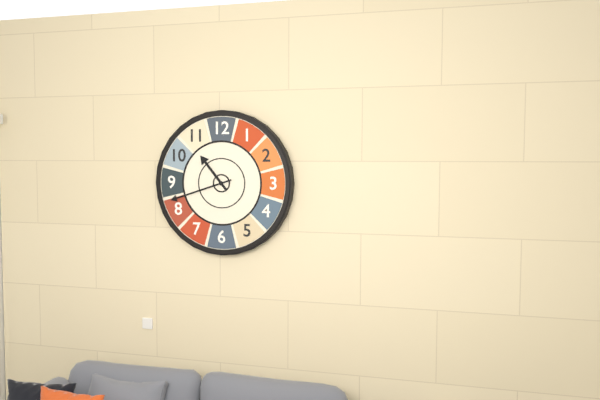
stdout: 10h42
